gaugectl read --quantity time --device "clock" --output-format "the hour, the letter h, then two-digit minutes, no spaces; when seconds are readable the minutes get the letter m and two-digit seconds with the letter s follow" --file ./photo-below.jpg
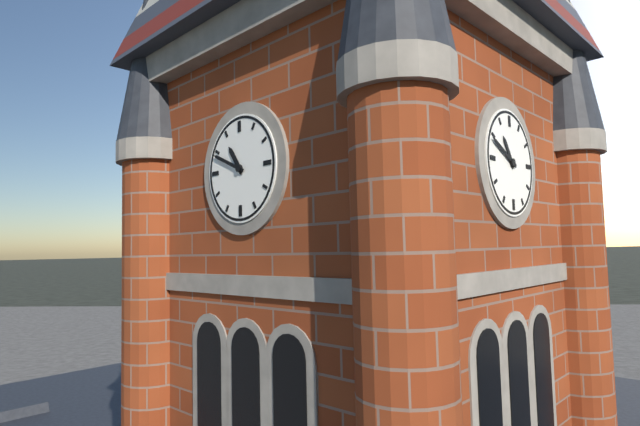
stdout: 10h49
